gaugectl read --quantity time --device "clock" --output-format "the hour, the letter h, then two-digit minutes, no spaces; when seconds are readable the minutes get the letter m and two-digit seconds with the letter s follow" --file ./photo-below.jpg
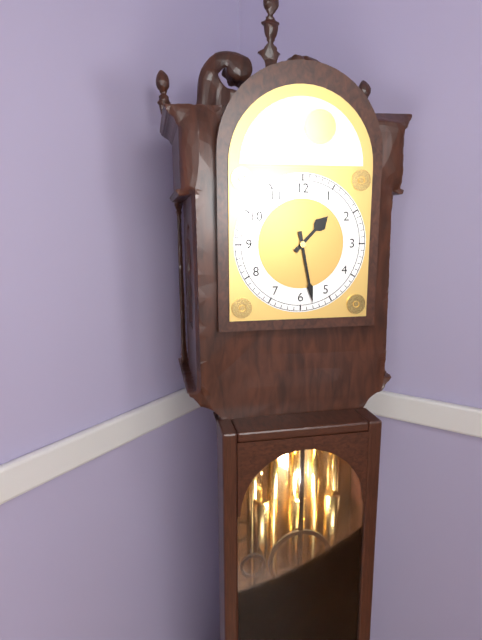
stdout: 1h28
